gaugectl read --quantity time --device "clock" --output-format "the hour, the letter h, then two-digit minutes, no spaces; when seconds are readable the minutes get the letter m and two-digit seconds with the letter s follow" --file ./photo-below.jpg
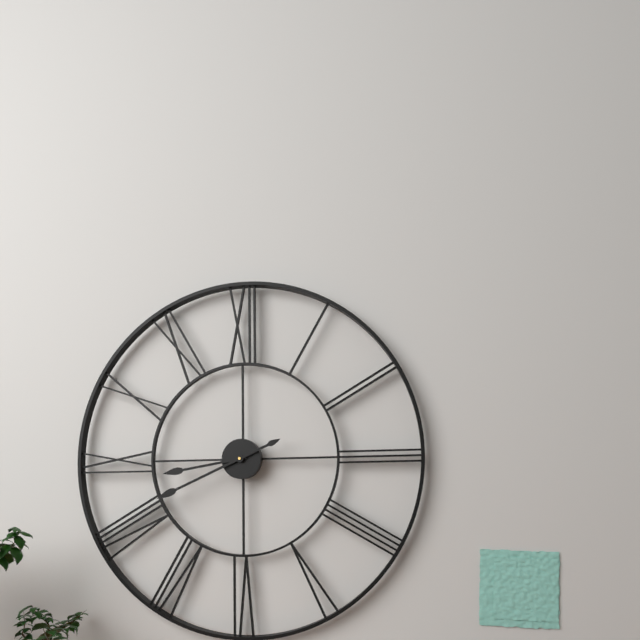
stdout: 8h41
